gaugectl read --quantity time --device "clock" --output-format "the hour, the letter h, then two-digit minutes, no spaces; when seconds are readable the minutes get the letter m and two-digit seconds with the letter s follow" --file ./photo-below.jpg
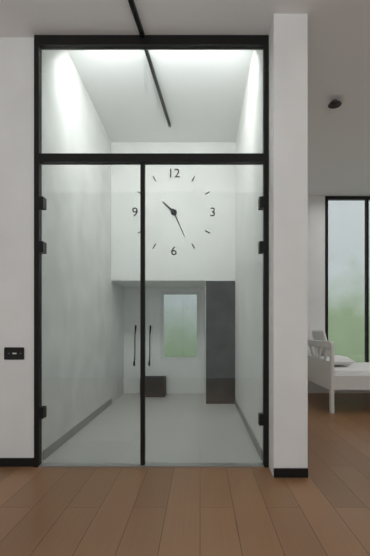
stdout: 10h26
